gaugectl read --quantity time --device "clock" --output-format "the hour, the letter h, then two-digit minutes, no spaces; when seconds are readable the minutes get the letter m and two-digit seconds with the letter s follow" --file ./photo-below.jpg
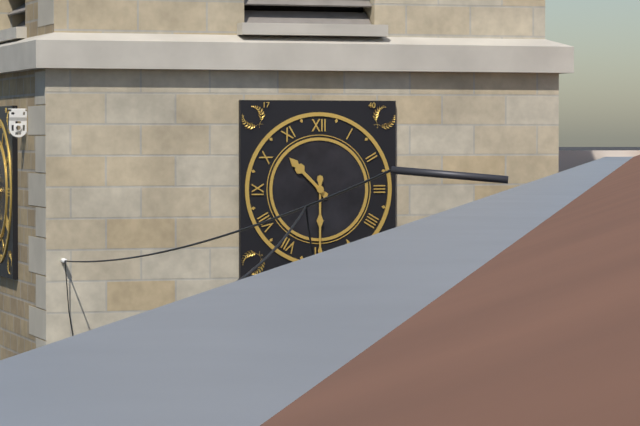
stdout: 10h30
